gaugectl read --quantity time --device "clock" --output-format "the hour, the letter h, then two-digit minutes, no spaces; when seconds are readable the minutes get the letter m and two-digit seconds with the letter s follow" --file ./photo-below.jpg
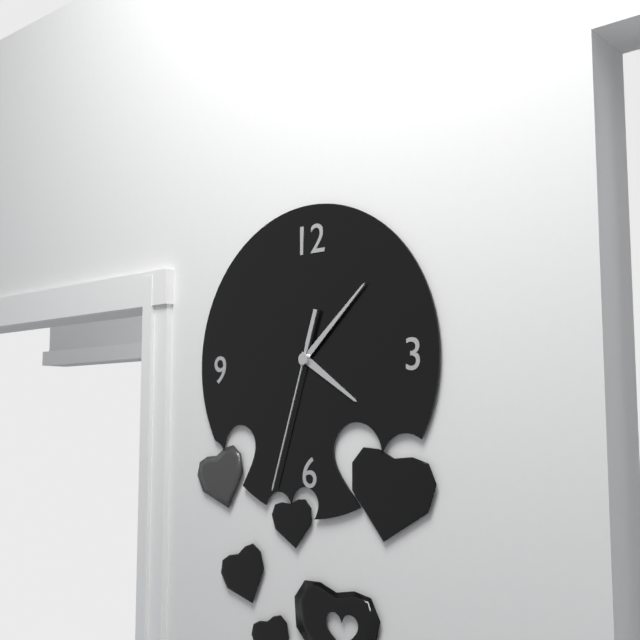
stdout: 4h08m33s
